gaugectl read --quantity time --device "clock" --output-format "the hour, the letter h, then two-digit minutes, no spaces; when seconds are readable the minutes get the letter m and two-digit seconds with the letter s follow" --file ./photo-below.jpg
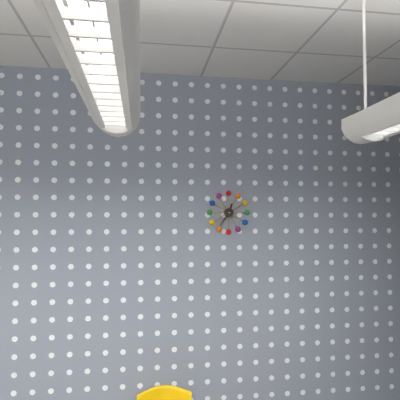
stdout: 12h36
